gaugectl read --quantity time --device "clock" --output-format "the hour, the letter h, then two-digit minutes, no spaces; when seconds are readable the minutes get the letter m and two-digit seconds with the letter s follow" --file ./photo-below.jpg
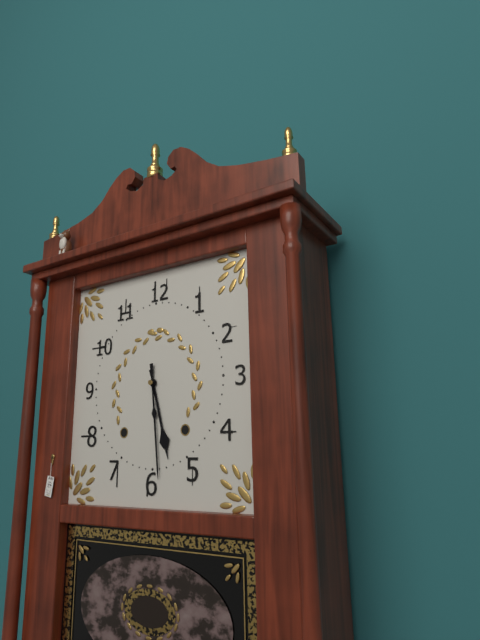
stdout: 5h29
